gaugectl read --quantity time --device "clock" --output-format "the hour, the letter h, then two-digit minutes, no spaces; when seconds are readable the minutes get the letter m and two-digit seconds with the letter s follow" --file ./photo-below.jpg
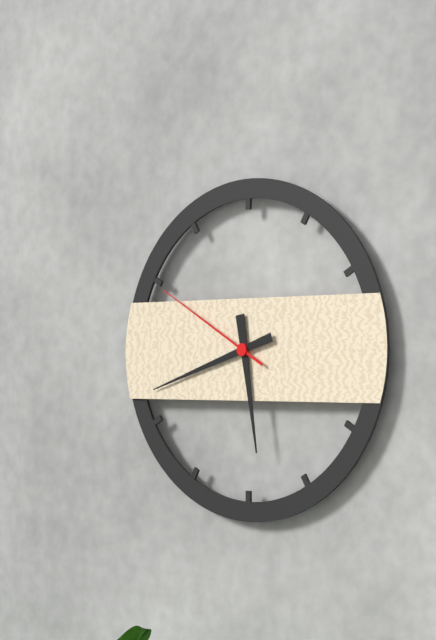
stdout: 5h42m50s
